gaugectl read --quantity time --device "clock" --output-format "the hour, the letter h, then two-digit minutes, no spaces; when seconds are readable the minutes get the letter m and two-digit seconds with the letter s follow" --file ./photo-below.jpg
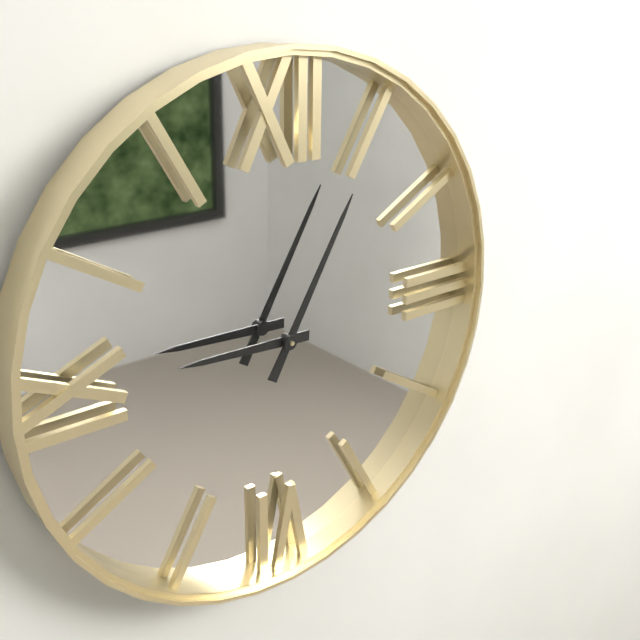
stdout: 9h05
